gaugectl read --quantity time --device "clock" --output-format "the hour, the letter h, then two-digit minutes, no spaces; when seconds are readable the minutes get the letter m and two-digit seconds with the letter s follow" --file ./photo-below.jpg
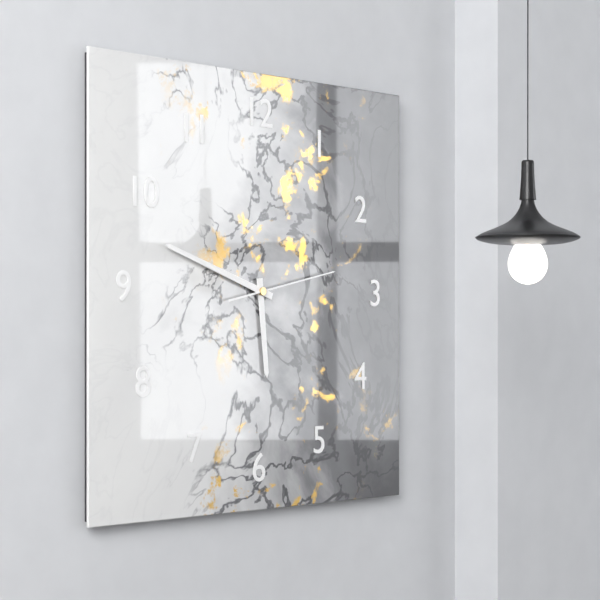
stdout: 5h48m13s
